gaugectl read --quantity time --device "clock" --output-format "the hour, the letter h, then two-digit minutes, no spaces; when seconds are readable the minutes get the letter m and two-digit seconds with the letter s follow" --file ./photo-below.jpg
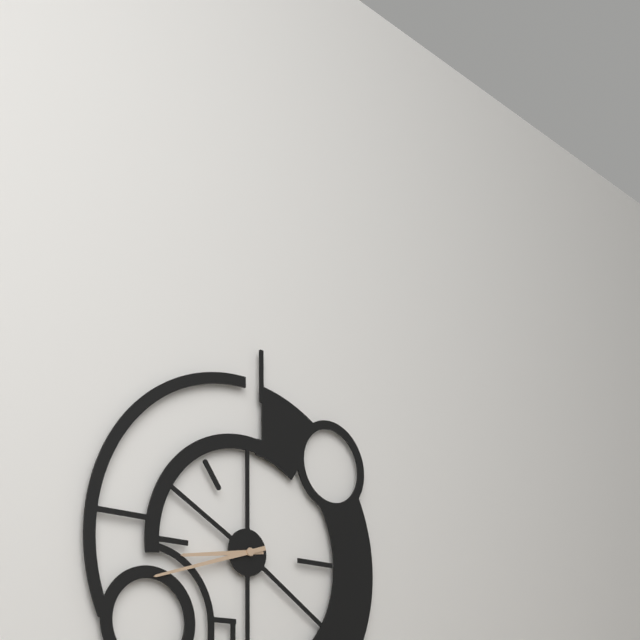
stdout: 8h42
